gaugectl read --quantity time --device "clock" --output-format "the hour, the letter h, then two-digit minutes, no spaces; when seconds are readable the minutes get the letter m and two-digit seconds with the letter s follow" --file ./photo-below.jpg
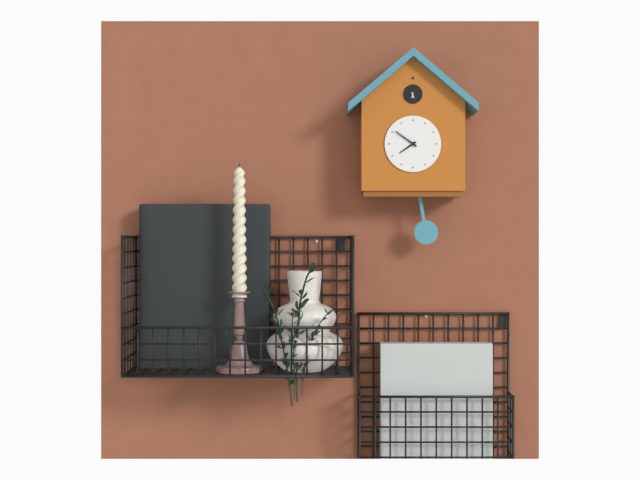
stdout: 7h51
